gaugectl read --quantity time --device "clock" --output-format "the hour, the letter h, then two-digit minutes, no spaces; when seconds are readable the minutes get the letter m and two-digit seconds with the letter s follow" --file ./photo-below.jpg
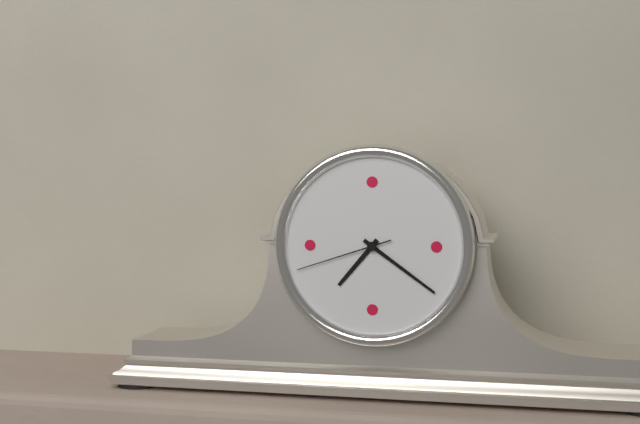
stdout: 7h21m42s
